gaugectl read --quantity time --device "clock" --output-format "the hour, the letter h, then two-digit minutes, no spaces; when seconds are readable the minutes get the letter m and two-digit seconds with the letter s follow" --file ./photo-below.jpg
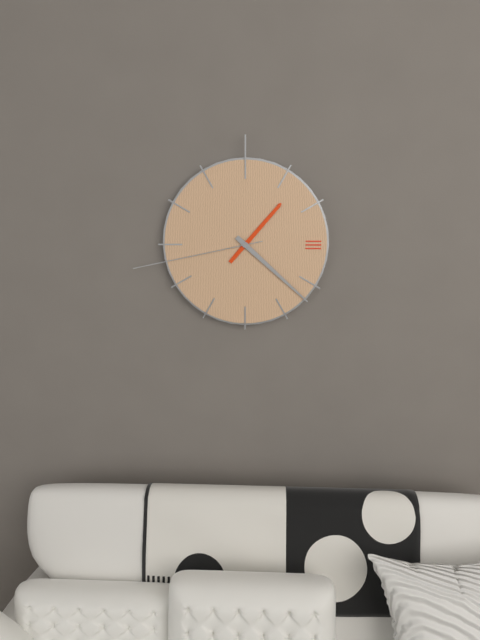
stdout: 1h22m43s
